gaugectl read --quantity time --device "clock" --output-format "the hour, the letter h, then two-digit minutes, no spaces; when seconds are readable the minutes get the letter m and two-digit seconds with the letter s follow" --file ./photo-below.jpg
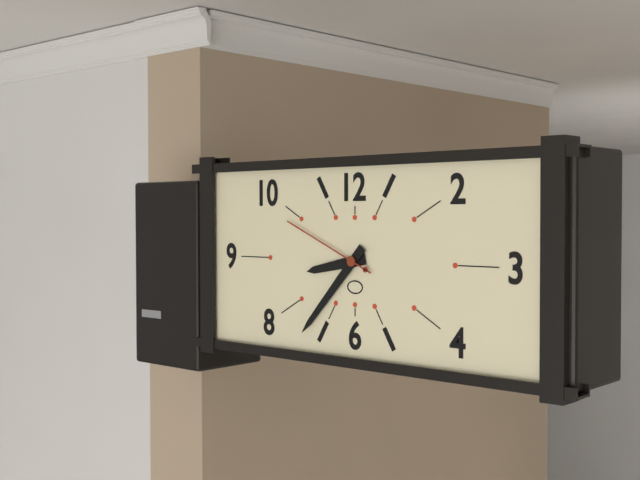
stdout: 8h37m49s
